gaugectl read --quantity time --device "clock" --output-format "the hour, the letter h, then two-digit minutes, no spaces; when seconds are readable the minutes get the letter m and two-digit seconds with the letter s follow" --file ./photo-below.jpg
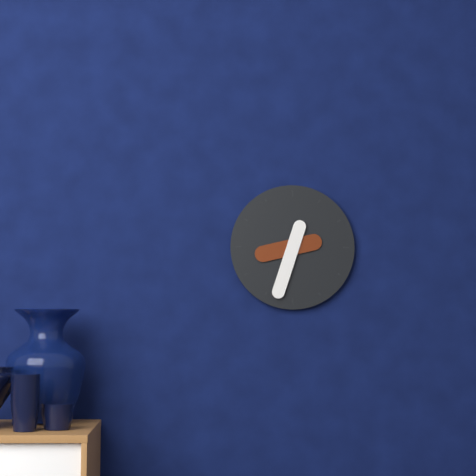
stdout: 8h33
